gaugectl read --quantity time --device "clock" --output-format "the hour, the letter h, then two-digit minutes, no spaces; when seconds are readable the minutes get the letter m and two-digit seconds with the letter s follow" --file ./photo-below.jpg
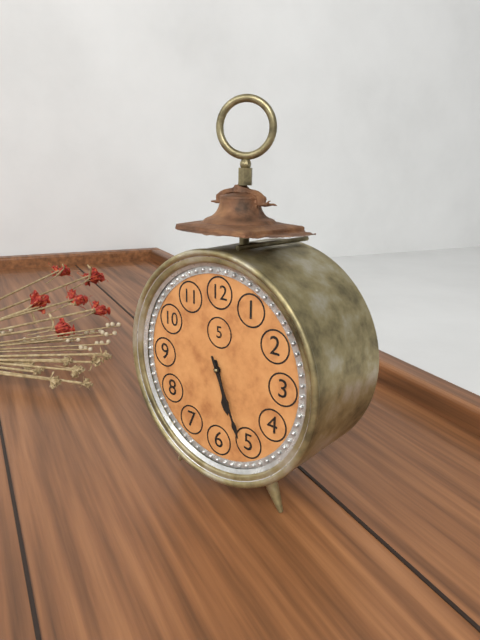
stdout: 5h26
